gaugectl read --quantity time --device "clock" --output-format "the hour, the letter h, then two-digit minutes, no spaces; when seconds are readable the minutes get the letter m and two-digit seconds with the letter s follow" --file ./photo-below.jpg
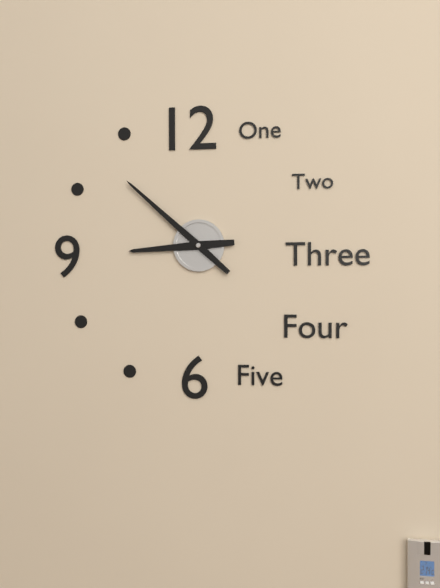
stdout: 8h52
